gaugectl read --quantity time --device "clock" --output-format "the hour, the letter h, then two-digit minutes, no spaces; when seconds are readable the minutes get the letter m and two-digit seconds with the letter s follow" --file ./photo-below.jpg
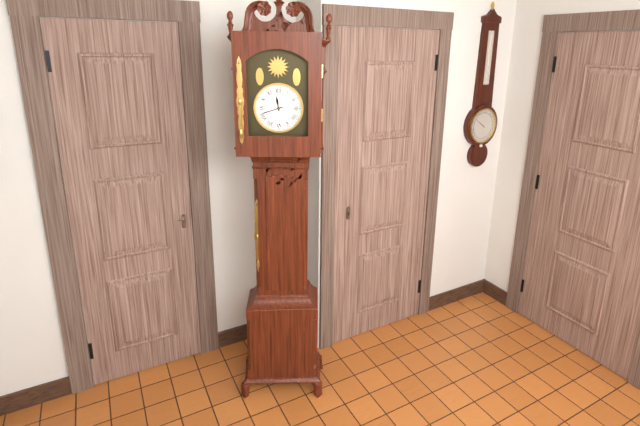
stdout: 11h42
